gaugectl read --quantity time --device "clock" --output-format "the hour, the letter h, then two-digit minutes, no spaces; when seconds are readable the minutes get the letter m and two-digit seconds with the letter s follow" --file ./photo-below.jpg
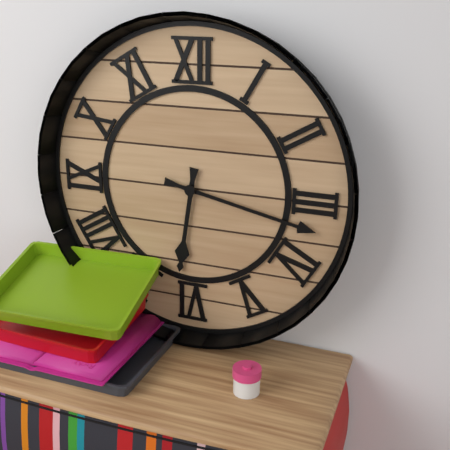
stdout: 6h17
